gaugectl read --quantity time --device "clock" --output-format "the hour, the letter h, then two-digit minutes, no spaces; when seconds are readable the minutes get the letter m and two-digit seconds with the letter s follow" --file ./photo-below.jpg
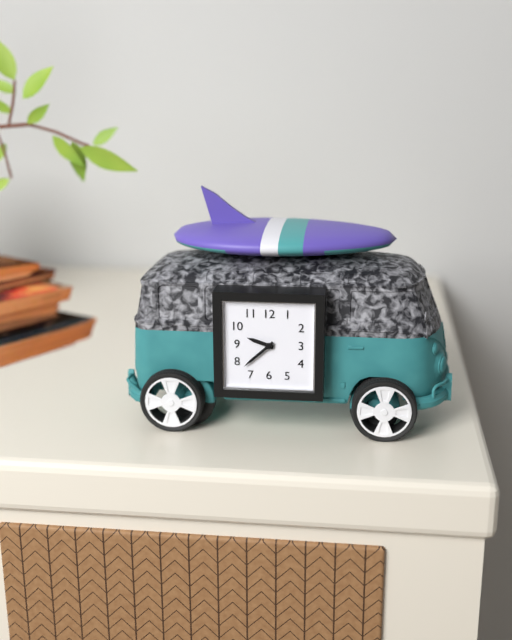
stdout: 9h38
